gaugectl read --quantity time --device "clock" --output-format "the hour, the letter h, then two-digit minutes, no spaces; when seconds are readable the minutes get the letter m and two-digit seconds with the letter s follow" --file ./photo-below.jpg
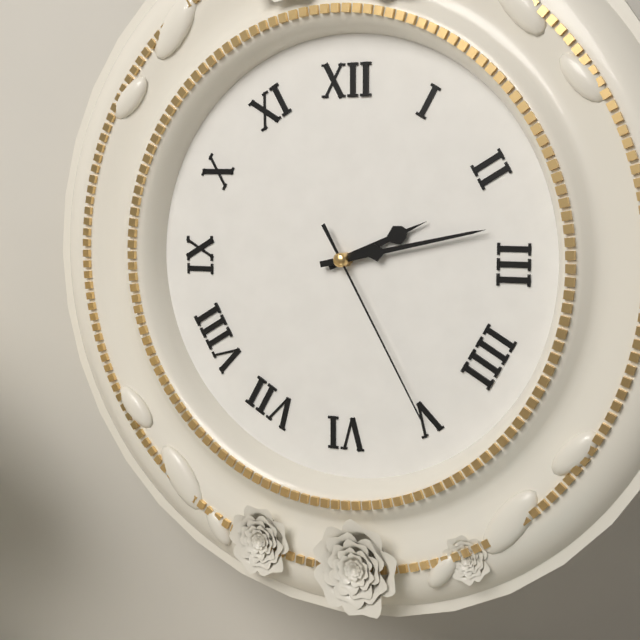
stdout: 2h13m25s
